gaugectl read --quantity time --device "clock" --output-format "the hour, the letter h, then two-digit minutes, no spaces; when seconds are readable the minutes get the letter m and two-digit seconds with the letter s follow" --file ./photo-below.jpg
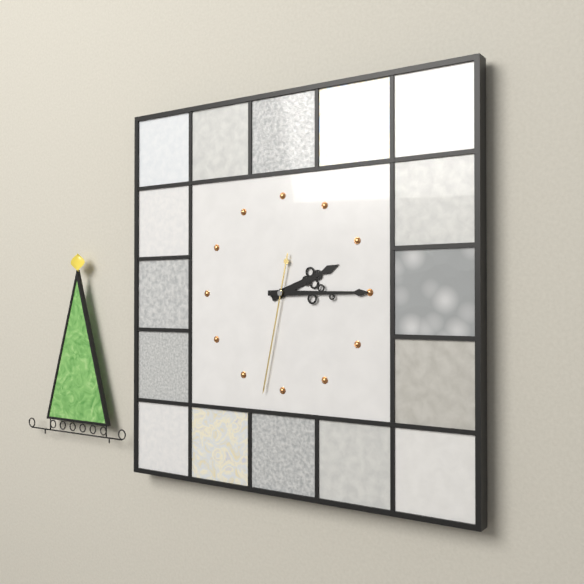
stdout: 2h15m32s
